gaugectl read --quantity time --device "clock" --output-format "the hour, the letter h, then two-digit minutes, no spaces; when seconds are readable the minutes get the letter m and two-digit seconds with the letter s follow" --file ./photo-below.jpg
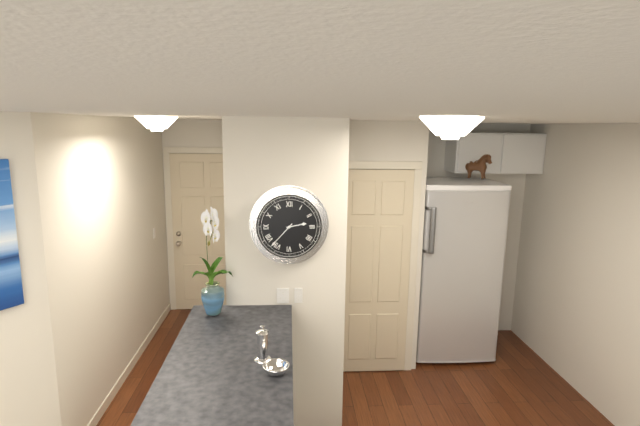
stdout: 2h37
